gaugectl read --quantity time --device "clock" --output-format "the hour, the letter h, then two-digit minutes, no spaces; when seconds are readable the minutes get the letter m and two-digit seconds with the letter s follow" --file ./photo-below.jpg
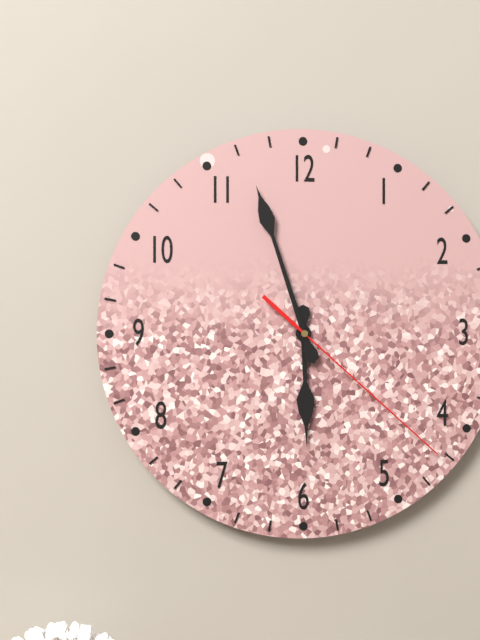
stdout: 5h57m22s
